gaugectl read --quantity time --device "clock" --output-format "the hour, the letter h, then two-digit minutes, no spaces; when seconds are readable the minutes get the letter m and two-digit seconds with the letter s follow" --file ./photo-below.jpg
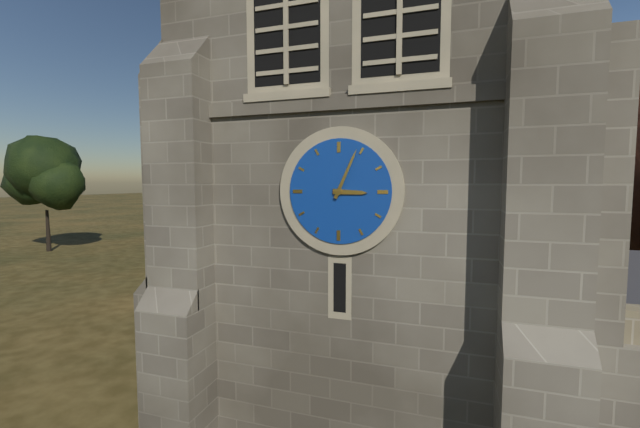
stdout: 3h04
